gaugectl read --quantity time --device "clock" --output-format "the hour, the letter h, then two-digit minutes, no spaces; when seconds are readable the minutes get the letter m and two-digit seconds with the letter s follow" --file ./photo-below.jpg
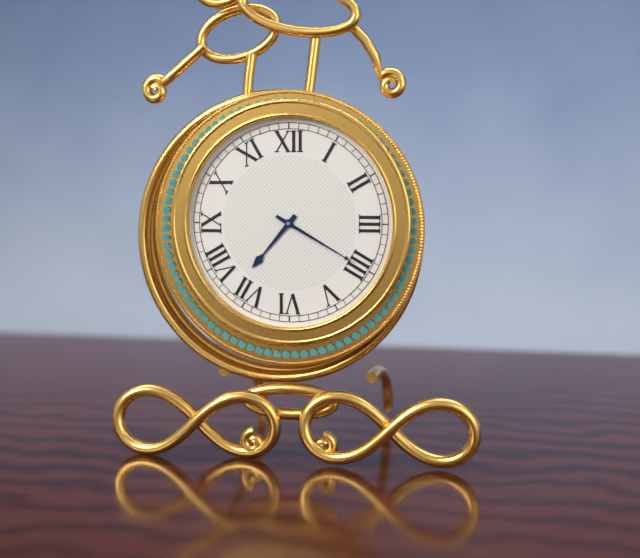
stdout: 7h20
